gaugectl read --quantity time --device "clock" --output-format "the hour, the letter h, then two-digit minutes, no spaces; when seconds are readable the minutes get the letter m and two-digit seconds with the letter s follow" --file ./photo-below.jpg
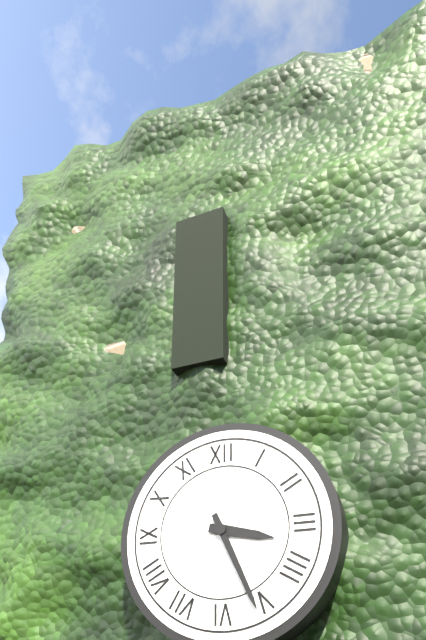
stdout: 3h26
